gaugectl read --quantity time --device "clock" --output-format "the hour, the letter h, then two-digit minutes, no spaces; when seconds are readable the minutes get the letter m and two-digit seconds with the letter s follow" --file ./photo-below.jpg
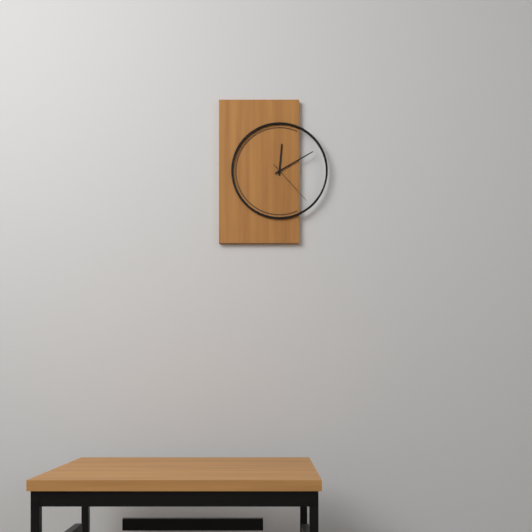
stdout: 12h10m23s
